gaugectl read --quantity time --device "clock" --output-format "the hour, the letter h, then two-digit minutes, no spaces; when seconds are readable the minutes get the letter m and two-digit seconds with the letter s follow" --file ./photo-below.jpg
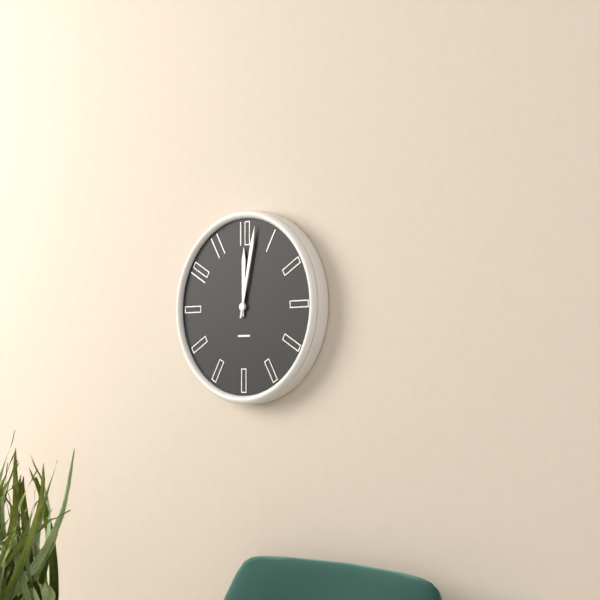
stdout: 12h02
